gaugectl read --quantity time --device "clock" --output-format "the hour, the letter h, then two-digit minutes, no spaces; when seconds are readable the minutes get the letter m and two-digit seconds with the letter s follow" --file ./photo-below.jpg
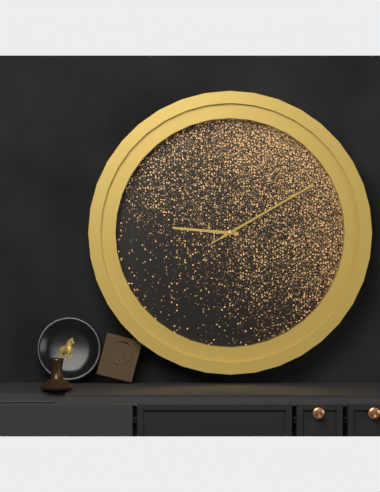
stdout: 9h10m10s
